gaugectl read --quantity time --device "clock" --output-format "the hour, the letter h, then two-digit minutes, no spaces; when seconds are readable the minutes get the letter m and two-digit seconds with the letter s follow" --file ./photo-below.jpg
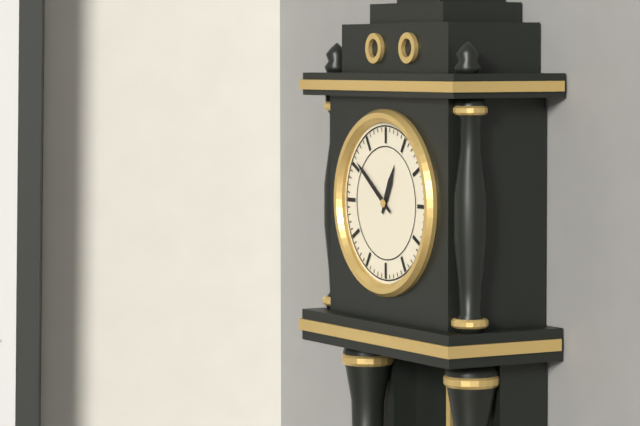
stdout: 12h51
